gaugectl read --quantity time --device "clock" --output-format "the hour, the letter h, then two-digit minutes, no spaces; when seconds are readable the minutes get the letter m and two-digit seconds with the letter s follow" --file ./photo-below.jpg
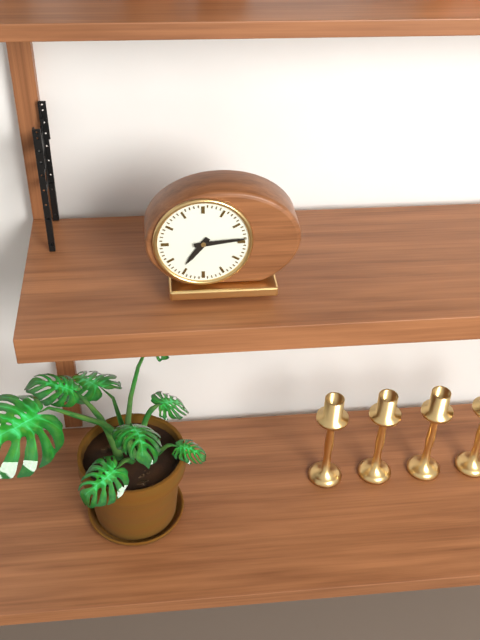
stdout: 7h14
